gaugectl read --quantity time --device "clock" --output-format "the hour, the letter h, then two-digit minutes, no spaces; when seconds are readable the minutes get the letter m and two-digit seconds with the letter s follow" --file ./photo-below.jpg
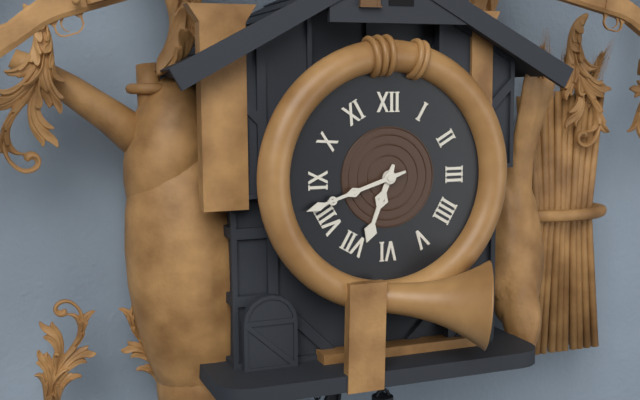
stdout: 6h42
